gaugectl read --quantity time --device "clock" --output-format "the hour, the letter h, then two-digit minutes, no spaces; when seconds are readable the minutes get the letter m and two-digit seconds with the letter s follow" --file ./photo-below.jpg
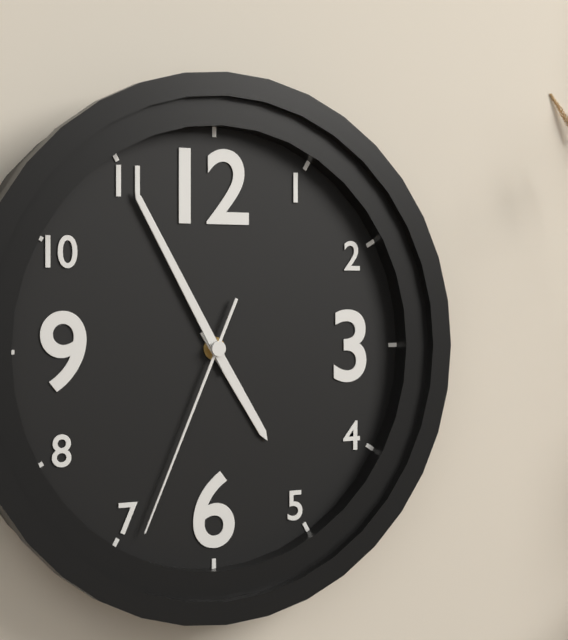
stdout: 4h55m34s
